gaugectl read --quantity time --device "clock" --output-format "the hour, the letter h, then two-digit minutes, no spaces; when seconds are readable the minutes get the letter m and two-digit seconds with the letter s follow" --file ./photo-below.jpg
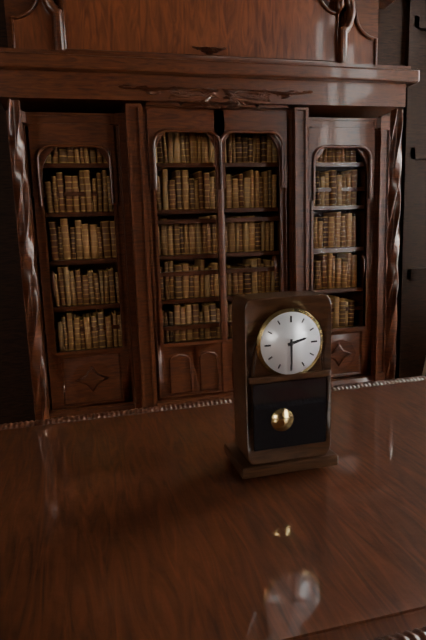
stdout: 2h30
